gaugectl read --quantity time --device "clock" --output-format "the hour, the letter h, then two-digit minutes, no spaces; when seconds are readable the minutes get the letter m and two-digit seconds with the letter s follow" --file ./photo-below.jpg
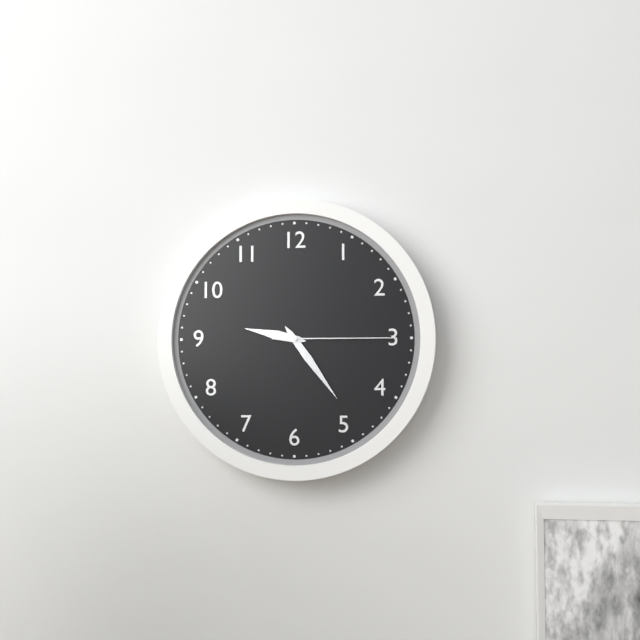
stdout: 9h24m15s
